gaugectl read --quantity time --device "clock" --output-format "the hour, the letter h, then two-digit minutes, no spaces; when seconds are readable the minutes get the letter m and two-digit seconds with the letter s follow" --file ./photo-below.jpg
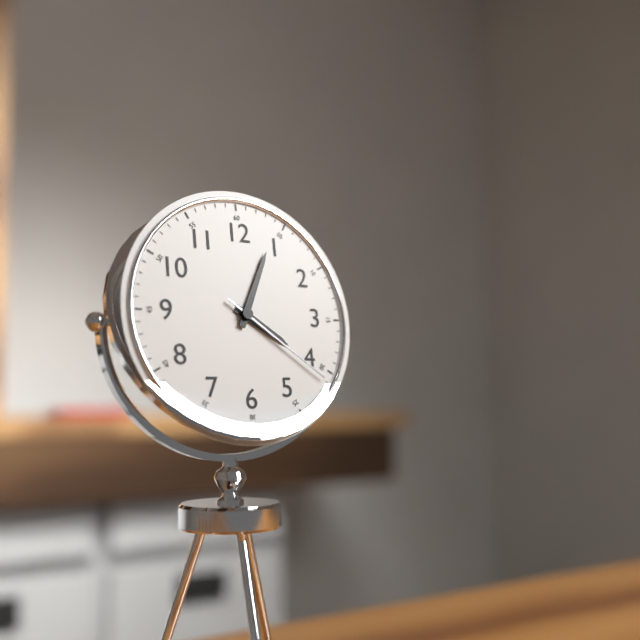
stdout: 4h04m21s
